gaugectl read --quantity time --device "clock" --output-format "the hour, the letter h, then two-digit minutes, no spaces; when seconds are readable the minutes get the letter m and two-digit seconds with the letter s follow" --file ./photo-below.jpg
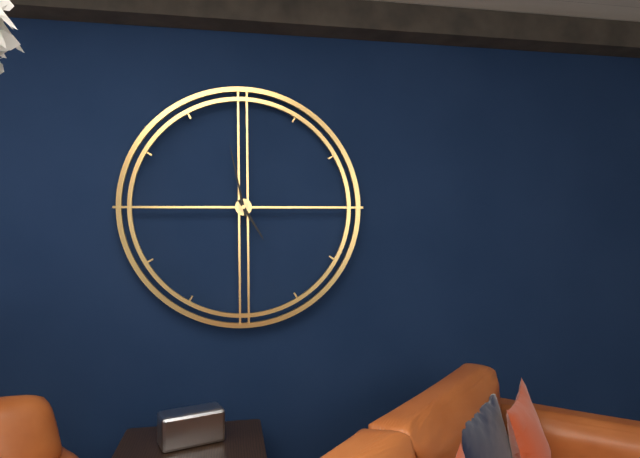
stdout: 4h58
